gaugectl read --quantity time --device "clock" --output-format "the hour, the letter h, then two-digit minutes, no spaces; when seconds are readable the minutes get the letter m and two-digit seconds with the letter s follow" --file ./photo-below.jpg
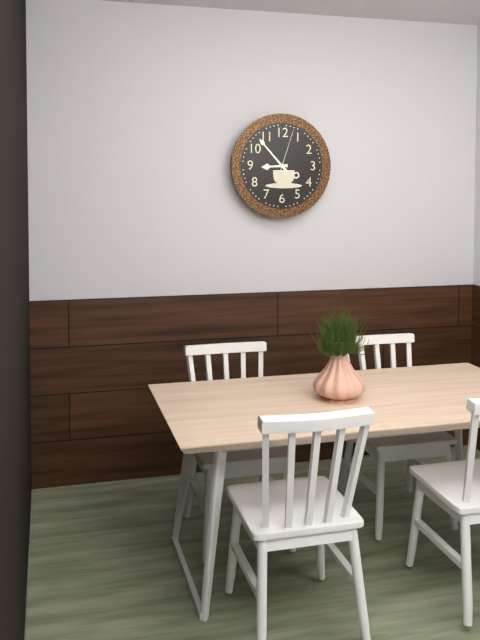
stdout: 8h53
